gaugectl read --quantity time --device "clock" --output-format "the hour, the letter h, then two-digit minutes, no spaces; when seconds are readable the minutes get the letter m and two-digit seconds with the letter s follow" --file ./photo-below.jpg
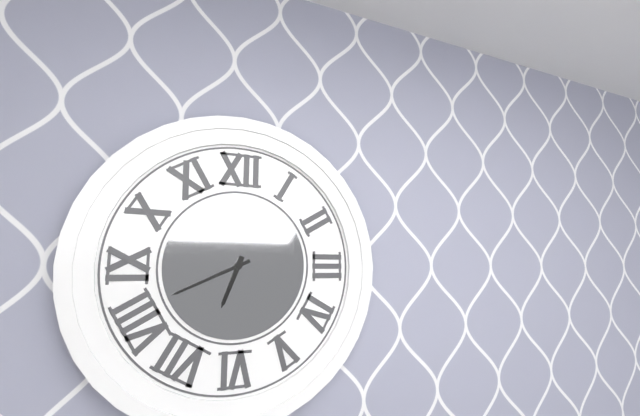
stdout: 6h41
